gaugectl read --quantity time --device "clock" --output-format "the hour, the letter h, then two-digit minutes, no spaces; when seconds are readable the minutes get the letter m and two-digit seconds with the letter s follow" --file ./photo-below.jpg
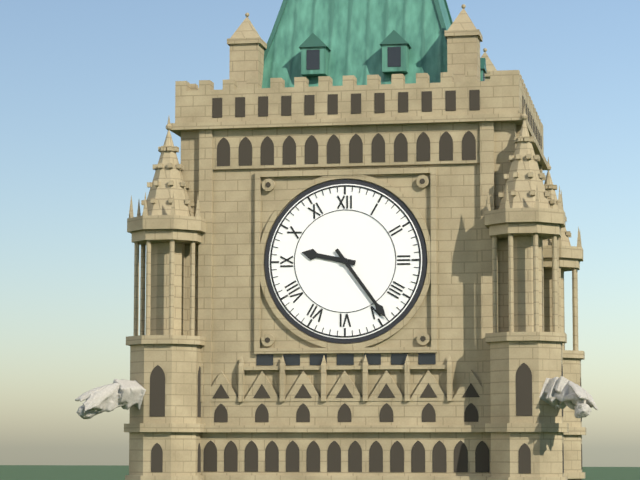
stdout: 9h24
